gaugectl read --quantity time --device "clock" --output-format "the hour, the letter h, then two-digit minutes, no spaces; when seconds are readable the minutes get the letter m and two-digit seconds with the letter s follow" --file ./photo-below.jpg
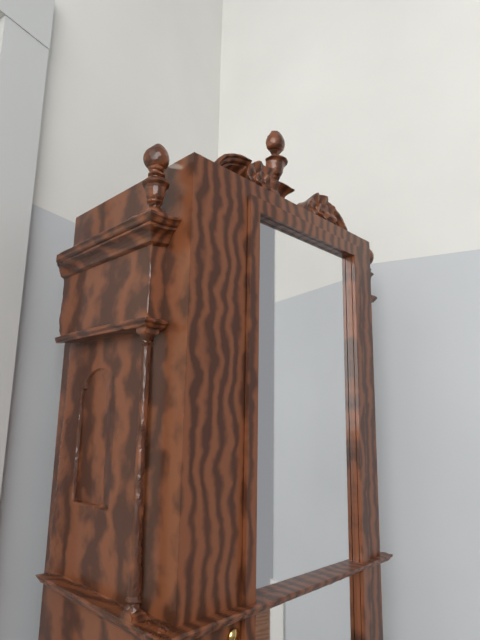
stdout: 8h48
